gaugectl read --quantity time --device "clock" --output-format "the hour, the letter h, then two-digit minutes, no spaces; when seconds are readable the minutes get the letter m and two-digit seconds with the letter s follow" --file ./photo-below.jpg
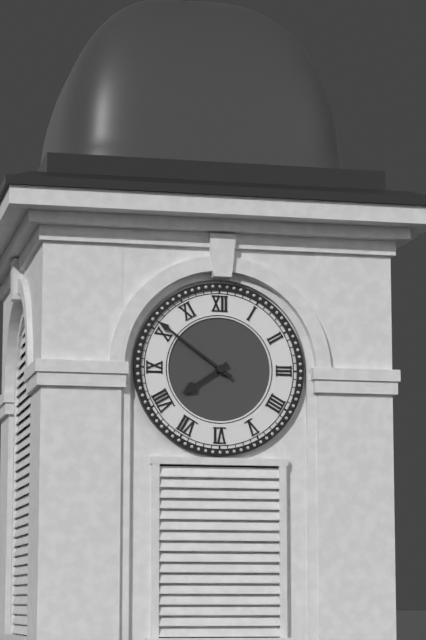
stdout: 7h51
